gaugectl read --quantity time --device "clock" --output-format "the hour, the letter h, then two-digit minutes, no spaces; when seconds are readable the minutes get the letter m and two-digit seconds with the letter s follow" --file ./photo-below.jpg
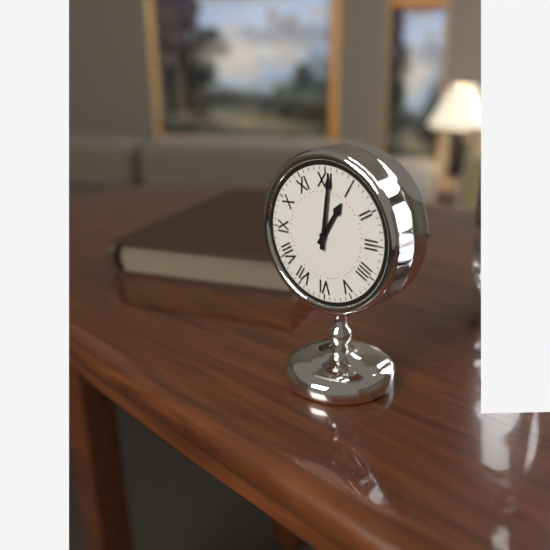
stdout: 1h01
